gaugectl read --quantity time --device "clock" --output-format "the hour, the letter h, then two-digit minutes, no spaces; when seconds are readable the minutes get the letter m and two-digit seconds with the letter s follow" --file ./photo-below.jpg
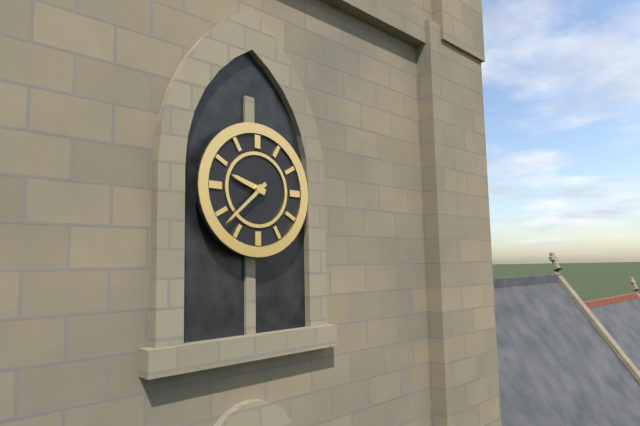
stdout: 9h38
